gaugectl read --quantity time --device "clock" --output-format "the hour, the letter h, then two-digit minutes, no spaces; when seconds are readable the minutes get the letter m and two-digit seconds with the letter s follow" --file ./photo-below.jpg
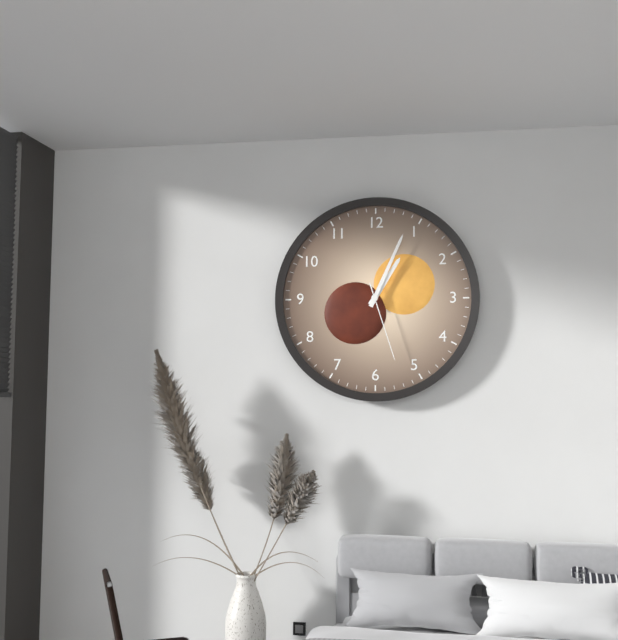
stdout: 1h04m27s
